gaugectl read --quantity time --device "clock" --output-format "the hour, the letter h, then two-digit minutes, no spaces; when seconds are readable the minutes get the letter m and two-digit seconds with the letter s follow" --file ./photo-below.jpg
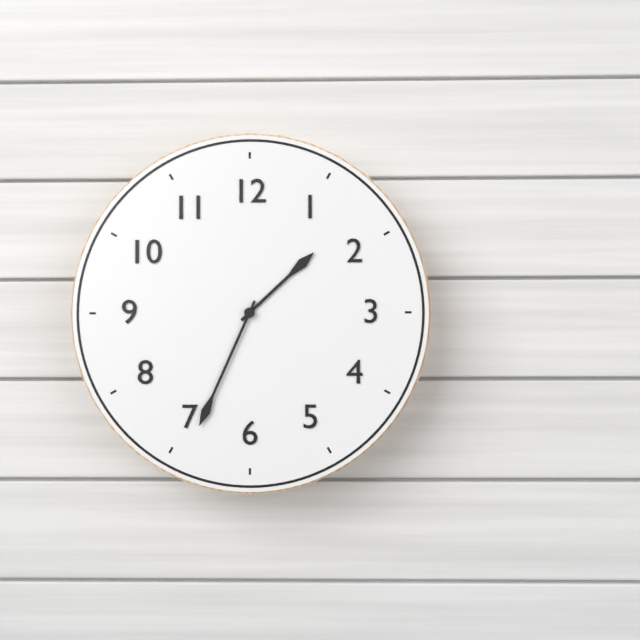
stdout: 1h34
